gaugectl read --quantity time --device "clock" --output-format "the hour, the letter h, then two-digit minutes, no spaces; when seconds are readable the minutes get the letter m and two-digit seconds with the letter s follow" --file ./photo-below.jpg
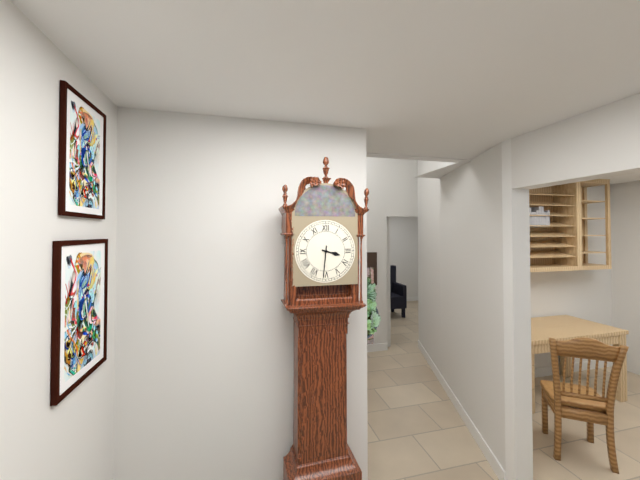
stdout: 3h31
